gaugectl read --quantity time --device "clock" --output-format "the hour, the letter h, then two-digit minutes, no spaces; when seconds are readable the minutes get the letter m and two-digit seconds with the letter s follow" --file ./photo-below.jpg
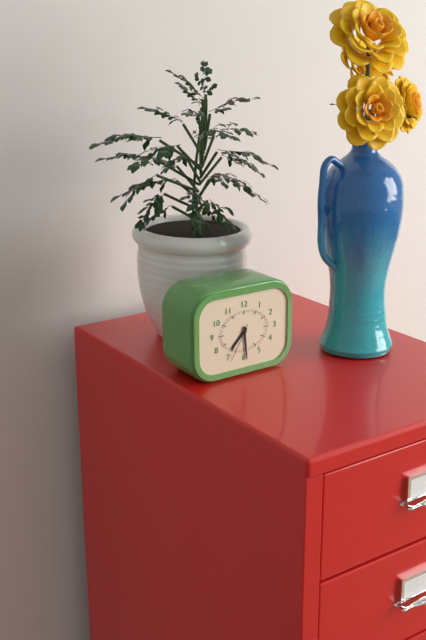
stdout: 7h29
